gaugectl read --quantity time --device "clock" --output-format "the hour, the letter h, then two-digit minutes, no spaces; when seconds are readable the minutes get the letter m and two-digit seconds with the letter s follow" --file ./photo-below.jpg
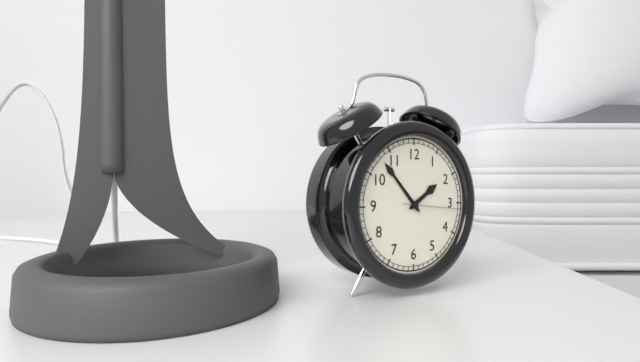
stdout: 1h53m16s
